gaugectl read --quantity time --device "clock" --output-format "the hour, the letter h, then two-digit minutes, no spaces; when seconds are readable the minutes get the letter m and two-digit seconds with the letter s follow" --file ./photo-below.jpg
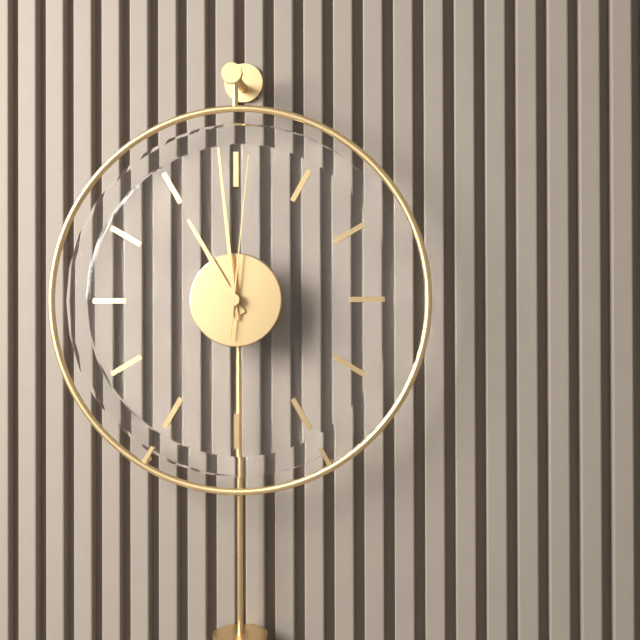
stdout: 10h59m01s
